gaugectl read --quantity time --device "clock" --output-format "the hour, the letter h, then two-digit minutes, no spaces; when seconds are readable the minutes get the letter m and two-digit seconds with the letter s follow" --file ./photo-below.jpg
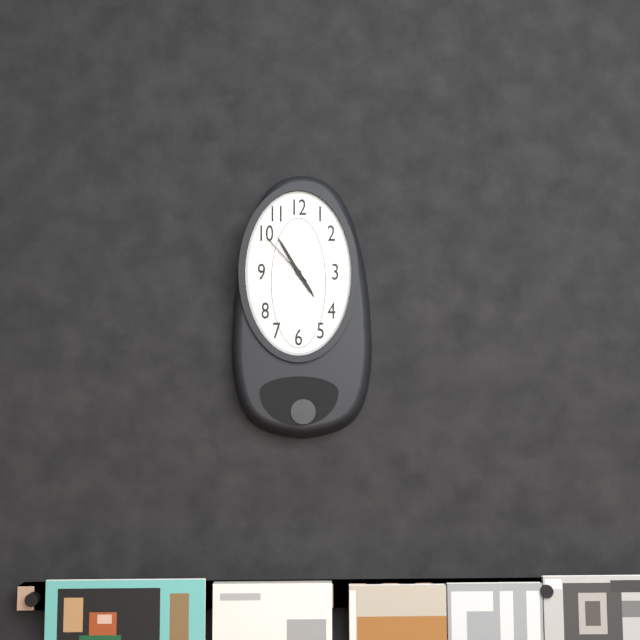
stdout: 4h55m53s
